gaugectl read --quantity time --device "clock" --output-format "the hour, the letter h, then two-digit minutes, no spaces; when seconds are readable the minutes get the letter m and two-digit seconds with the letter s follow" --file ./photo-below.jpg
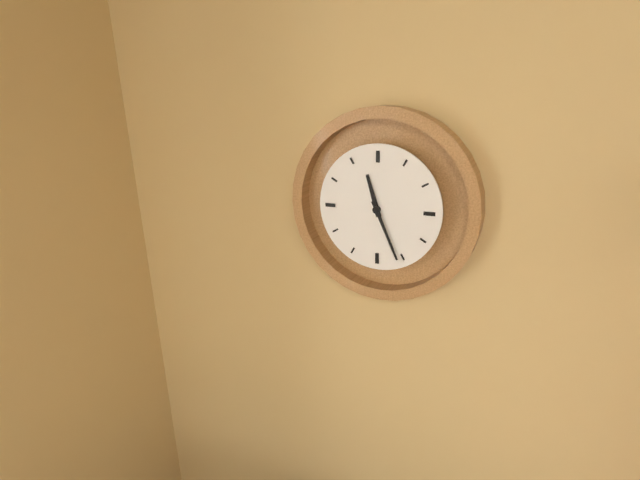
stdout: 11h26
